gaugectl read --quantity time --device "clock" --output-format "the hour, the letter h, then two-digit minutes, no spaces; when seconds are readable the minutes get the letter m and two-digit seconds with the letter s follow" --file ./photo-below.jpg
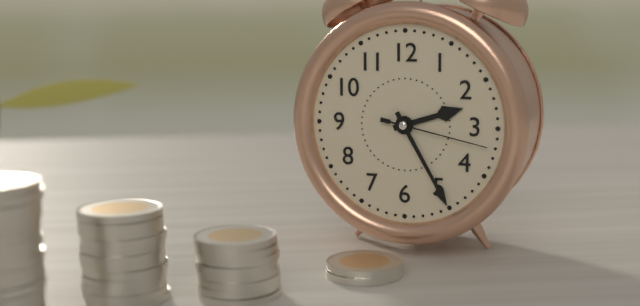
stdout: 2h25m17s
